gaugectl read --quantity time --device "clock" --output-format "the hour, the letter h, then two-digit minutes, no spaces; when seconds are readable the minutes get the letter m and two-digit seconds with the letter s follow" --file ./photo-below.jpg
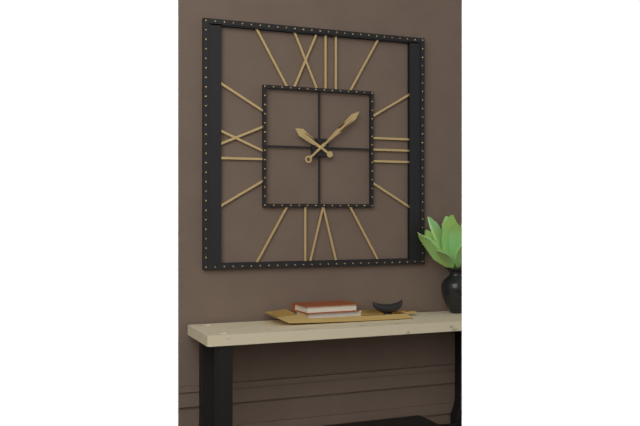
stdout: 10h08
